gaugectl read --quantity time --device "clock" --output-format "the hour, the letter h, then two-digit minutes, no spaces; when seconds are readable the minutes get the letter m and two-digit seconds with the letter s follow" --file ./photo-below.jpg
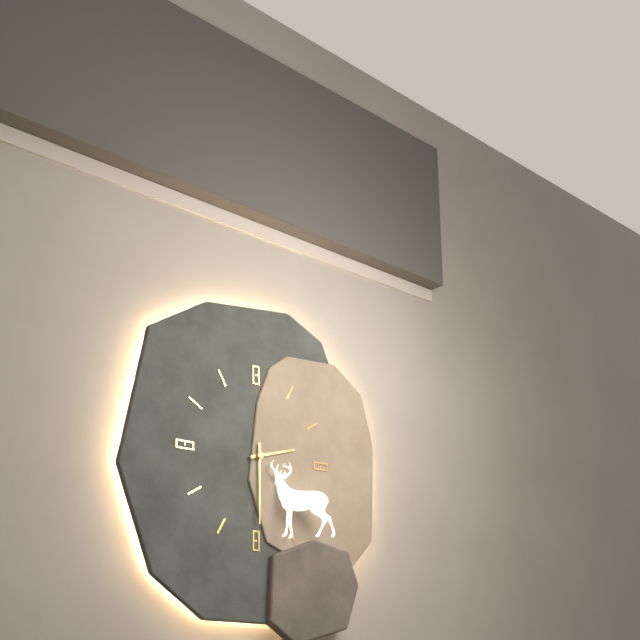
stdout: 2h30
